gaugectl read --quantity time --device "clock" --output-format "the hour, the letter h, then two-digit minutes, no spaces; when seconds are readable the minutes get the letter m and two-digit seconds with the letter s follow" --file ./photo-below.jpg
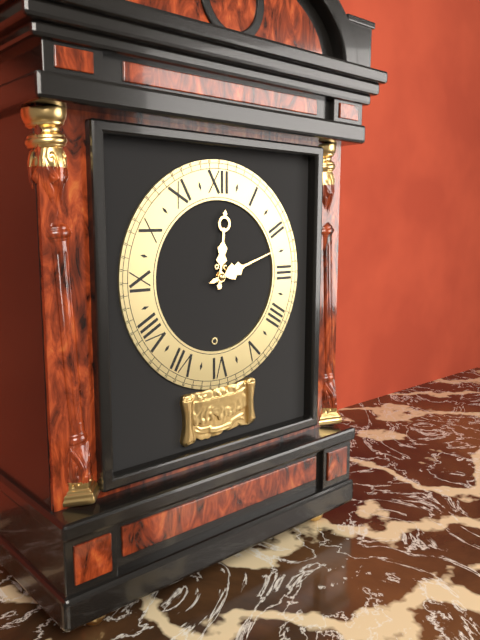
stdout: 12h12
